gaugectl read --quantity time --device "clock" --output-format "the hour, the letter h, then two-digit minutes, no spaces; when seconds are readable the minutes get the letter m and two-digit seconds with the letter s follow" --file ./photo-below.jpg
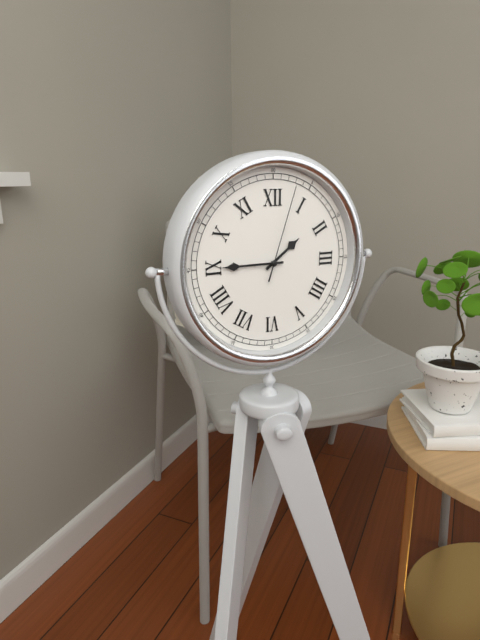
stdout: 1h45m03s
